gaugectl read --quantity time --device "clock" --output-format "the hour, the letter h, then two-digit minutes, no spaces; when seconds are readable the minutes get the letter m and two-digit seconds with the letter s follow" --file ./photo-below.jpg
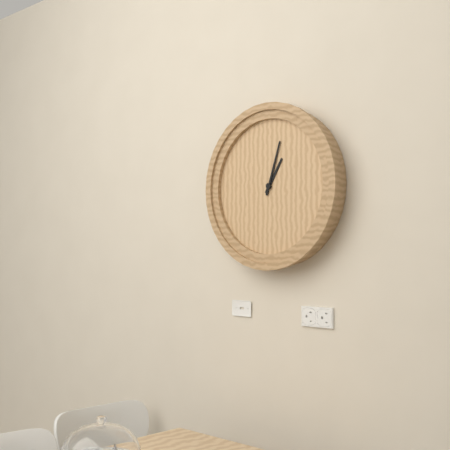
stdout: 1h03
